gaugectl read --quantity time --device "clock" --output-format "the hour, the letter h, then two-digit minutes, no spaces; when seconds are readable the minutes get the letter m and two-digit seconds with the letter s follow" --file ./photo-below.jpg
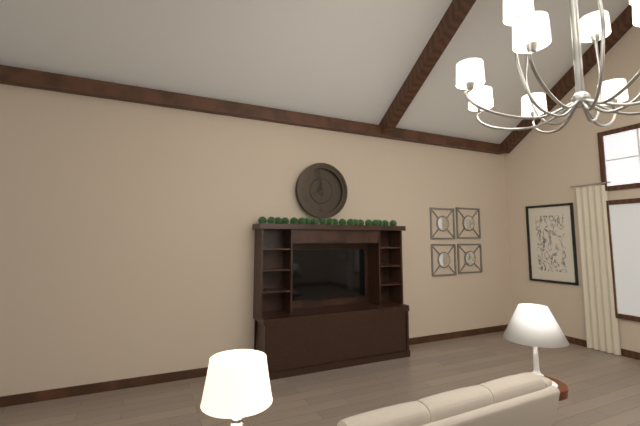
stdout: 7h58
